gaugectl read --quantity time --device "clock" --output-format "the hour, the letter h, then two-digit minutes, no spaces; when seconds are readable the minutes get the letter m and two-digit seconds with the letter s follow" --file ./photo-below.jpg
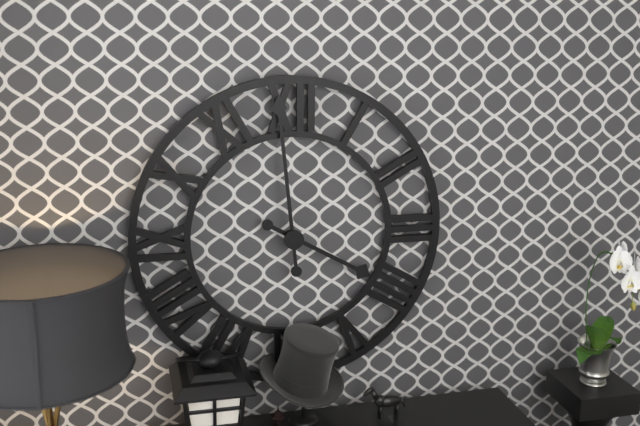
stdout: 3h59
